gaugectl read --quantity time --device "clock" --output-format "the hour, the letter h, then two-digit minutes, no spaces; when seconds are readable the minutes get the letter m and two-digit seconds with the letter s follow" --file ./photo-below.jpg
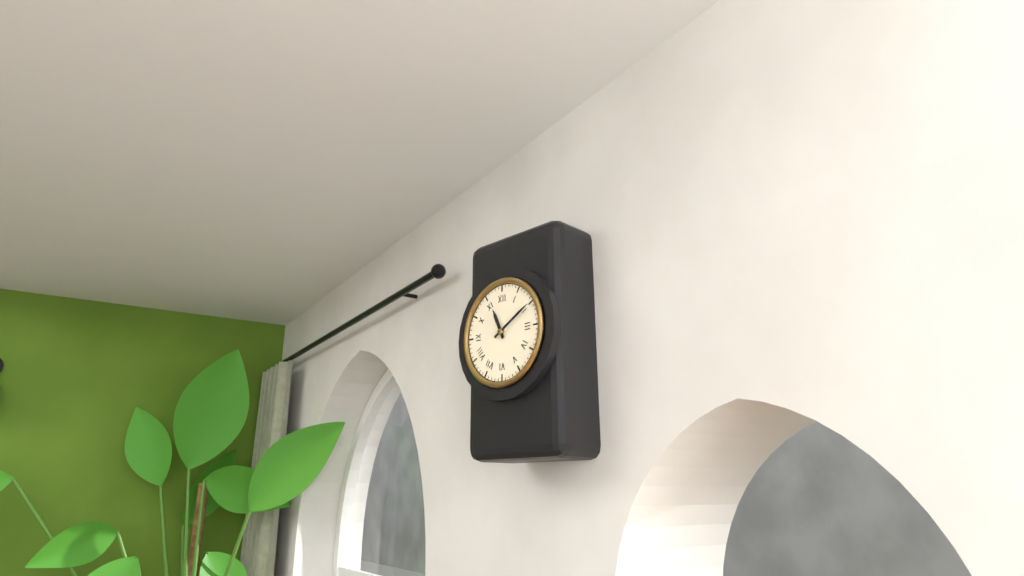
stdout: 11h10
